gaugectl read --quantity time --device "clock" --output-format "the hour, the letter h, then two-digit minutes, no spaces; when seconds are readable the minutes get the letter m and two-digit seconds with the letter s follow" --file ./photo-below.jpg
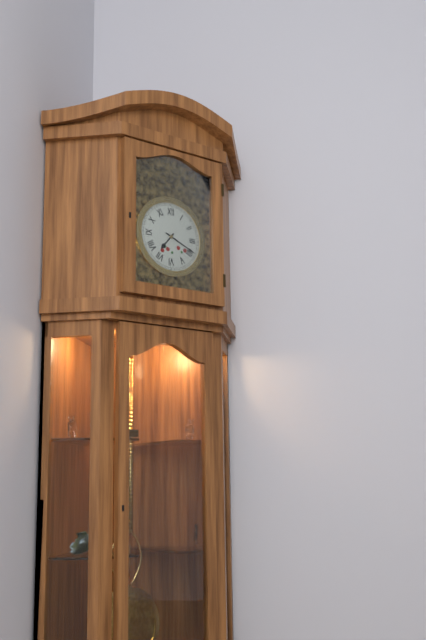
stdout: 7h19
